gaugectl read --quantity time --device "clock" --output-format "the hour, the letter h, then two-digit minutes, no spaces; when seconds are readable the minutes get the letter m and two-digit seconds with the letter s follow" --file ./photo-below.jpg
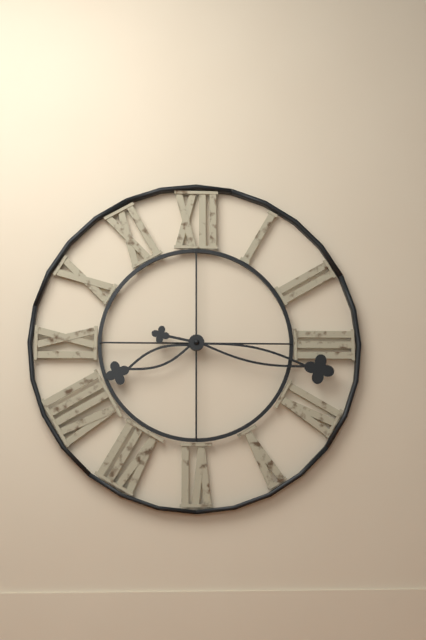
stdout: 8h17
